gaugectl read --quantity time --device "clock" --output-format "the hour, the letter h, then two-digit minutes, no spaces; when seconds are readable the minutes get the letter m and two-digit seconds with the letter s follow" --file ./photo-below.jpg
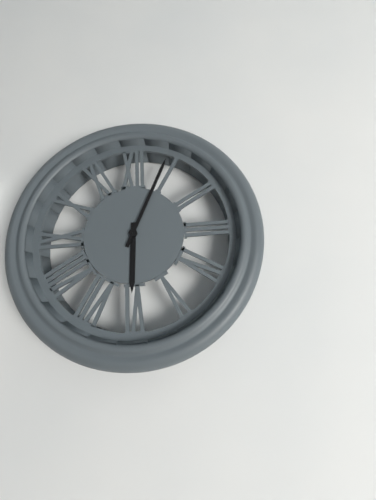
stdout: 6h04
